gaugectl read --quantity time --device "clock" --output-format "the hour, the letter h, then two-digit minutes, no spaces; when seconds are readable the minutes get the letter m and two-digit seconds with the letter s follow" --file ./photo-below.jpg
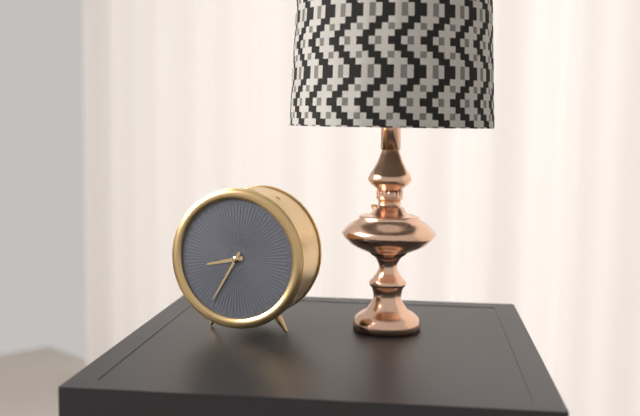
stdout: 8h35
